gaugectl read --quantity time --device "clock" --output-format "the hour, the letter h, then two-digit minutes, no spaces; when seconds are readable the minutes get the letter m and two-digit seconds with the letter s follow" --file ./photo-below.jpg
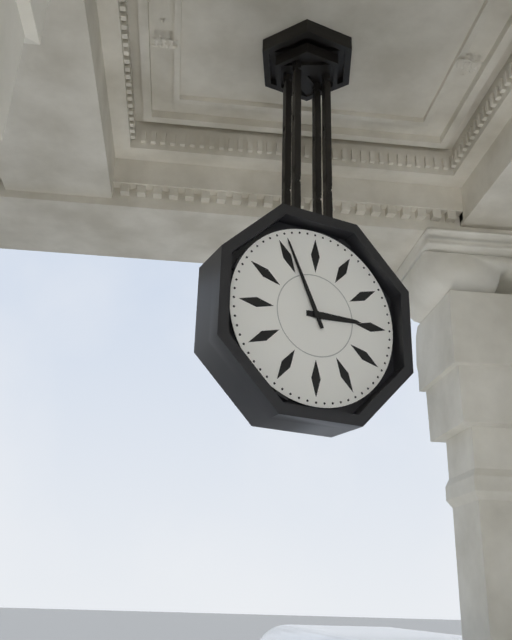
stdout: 2h56
